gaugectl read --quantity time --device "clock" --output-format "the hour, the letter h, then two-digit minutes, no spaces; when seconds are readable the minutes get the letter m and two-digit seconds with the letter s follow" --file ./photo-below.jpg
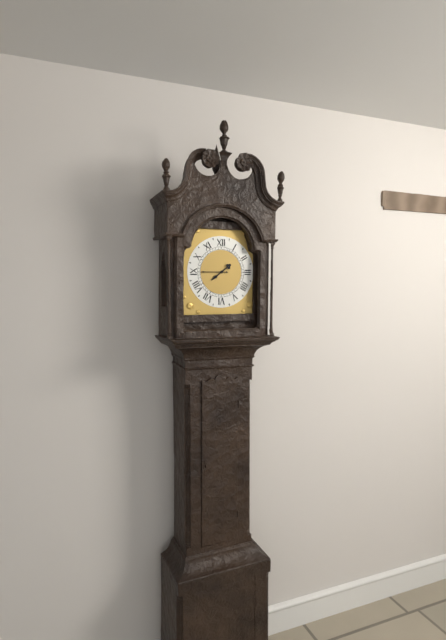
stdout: 7h45
